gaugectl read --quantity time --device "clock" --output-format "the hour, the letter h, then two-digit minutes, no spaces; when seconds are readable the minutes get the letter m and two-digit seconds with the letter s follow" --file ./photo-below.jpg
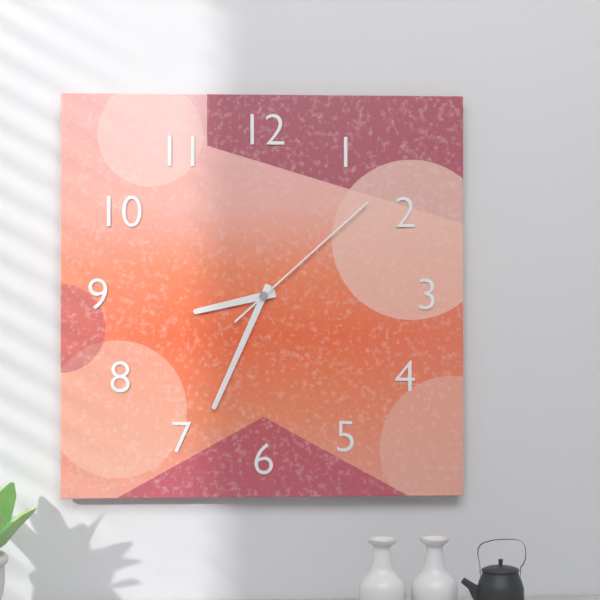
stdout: 8h34m08s
